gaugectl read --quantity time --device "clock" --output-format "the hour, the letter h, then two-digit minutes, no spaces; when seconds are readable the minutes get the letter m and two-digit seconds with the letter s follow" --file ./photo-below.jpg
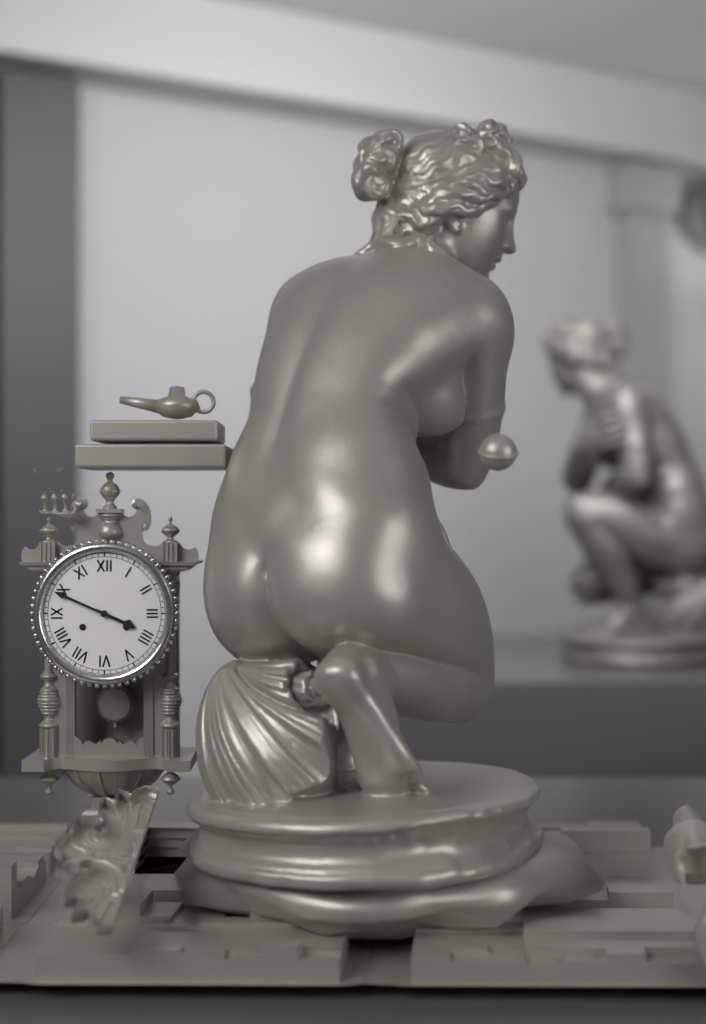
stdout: 3h49
